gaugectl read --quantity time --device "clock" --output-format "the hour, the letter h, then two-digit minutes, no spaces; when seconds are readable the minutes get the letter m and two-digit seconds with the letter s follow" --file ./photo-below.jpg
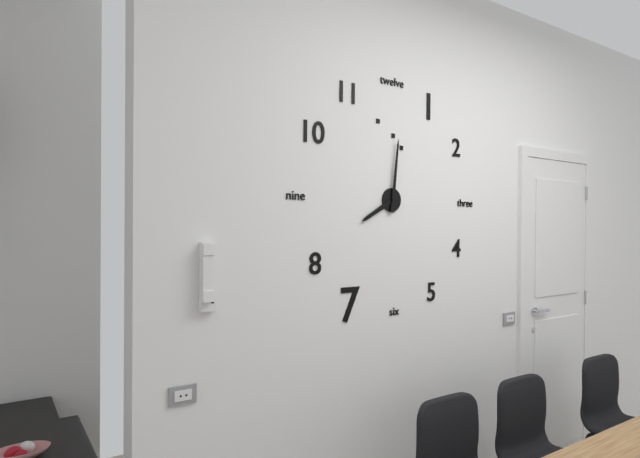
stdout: 8h01
